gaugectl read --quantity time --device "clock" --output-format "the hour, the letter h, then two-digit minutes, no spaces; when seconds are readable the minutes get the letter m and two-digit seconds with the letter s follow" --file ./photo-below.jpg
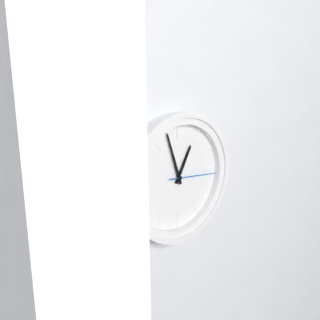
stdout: 12h57
